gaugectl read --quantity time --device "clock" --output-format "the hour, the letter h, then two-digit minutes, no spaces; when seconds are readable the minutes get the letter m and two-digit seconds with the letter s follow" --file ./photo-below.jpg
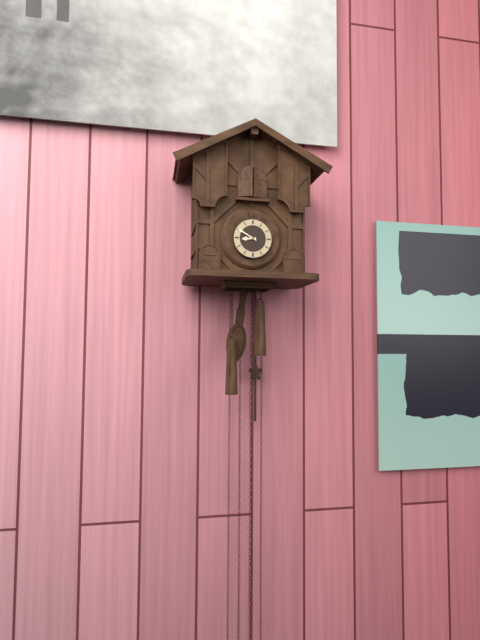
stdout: 8h50
